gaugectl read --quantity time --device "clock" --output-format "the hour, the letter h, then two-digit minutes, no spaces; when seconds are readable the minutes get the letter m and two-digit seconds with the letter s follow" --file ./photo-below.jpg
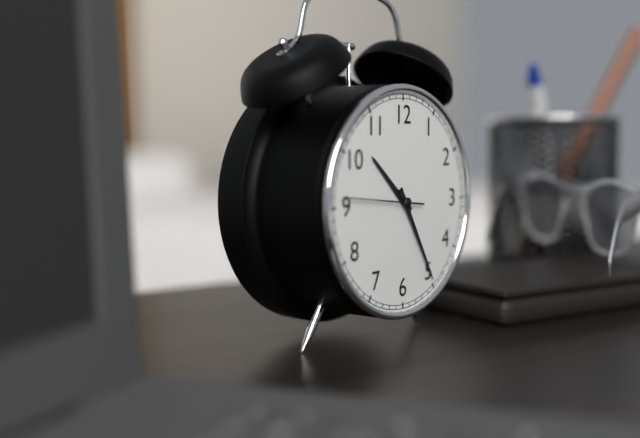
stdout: 10h25m46s
